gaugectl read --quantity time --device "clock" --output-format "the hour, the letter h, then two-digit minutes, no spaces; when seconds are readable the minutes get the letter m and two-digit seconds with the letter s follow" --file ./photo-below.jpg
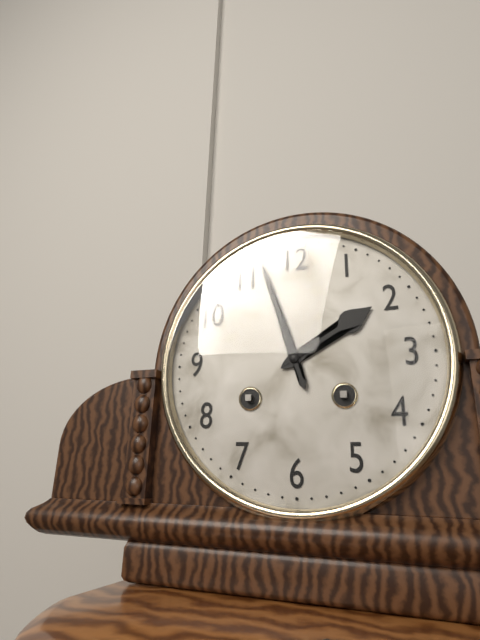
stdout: 1h57
